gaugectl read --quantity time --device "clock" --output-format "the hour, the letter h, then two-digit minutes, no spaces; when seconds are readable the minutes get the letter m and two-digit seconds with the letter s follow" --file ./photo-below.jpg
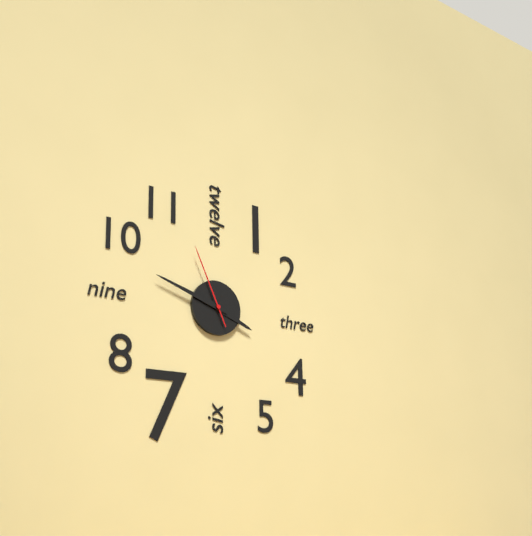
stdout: 3h48m56s
